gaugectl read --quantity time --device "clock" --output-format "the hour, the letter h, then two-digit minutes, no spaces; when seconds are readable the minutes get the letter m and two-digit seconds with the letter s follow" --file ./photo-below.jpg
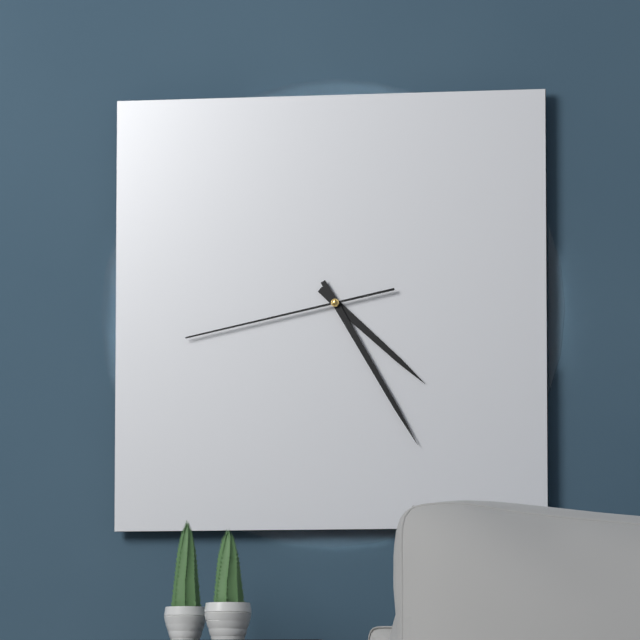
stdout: 4h25m43s
